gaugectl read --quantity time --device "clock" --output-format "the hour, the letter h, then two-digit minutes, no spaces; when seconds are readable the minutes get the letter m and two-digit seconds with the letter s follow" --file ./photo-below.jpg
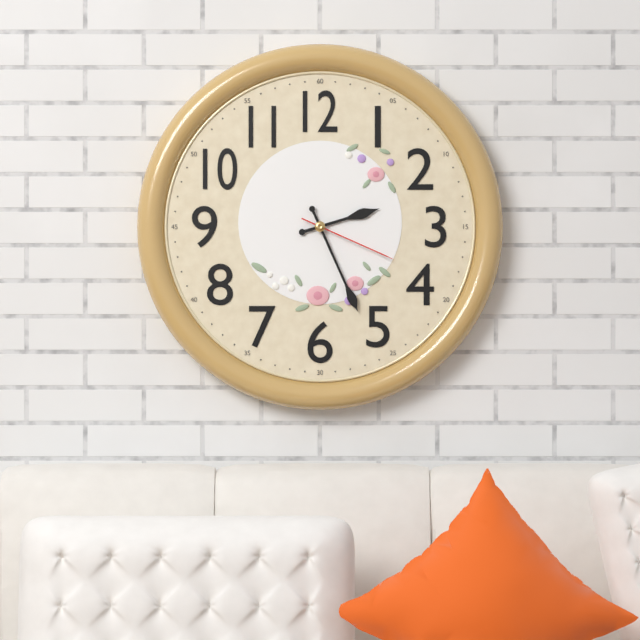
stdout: 2h26m19s
